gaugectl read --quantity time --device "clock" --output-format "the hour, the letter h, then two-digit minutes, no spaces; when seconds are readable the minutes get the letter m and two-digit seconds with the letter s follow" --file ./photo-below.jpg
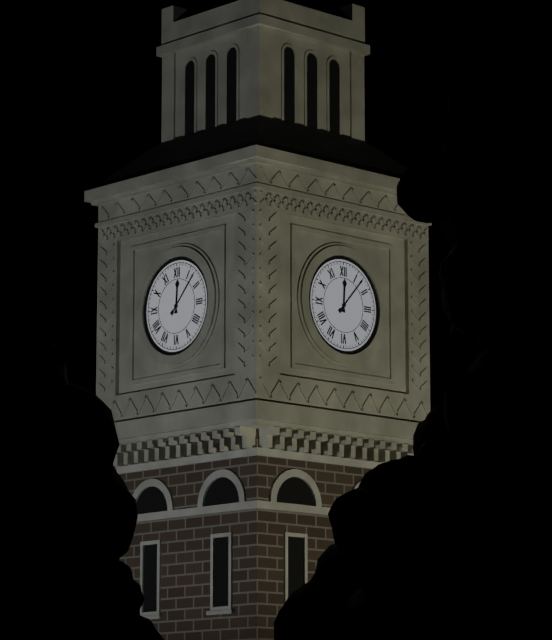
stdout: 12h07
